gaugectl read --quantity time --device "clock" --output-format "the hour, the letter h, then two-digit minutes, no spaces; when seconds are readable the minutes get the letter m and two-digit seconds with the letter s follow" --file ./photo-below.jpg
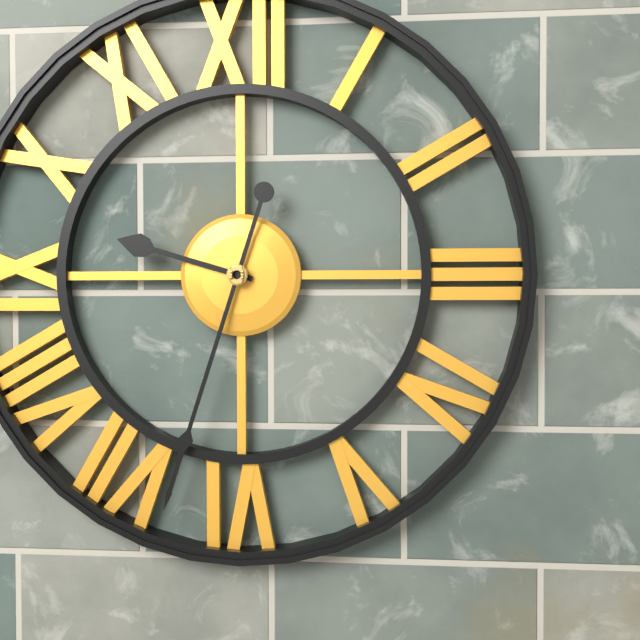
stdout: 9h33
